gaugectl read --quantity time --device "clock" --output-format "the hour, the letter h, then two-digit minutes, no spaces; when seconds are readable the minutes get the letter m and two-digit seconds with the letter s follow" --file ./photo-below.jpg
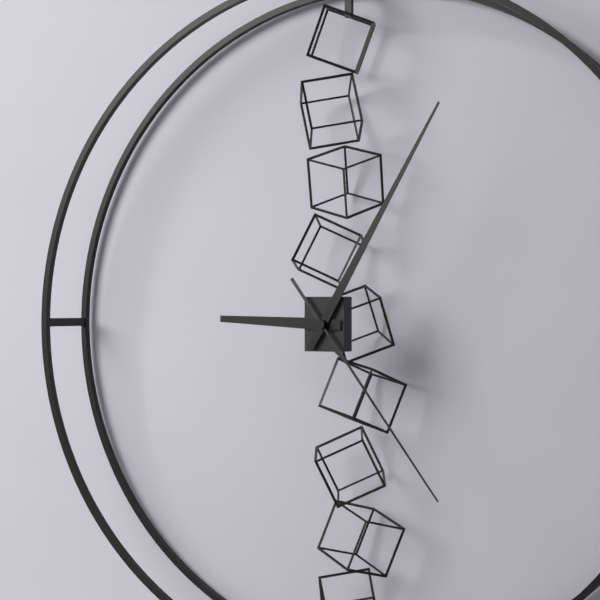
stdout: 9h05m24s
